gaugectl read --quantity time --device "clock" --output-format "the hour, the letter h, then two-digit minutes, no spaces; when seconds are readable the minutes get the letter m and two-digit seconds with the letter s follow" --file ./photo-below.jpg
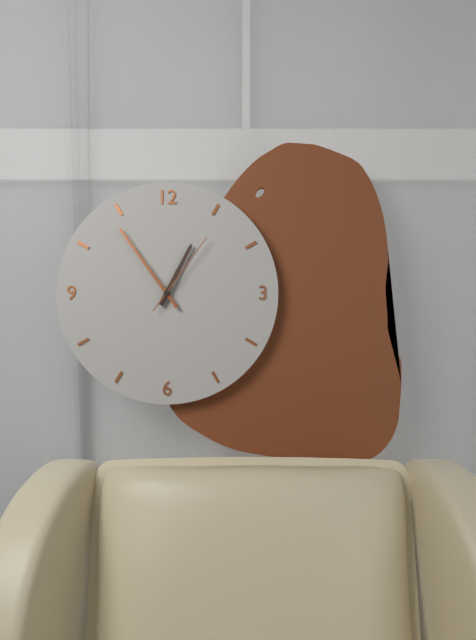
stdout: 12h54m06s
